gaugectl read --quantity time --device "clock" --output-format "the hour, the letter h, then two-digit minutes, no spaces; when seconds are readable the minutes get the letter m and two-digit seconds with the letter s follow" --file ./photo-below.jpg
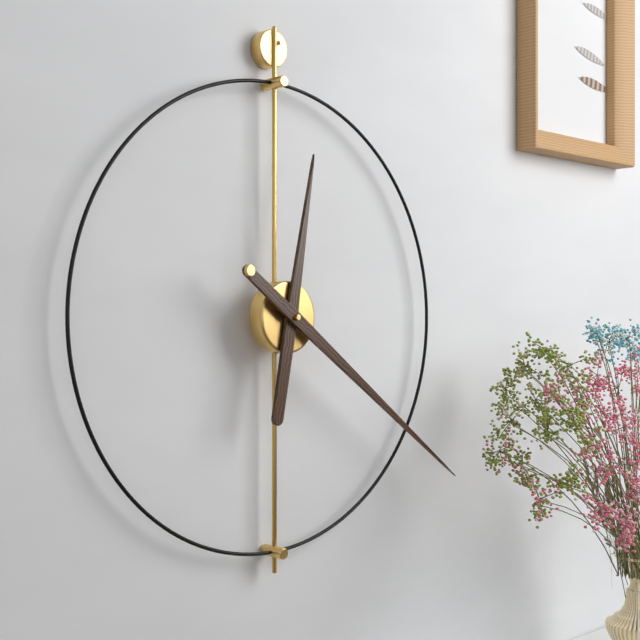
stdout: 12h21
